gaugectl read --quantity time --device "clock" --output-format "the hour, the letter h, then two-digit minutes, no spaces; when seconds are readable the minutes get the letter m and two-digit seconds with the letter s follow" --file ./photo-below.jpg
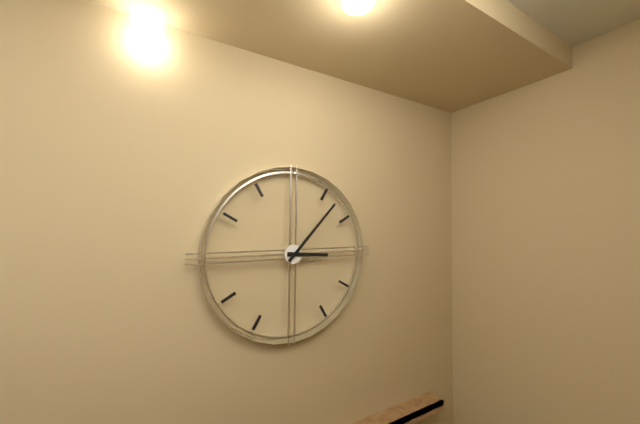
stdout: 3h07
